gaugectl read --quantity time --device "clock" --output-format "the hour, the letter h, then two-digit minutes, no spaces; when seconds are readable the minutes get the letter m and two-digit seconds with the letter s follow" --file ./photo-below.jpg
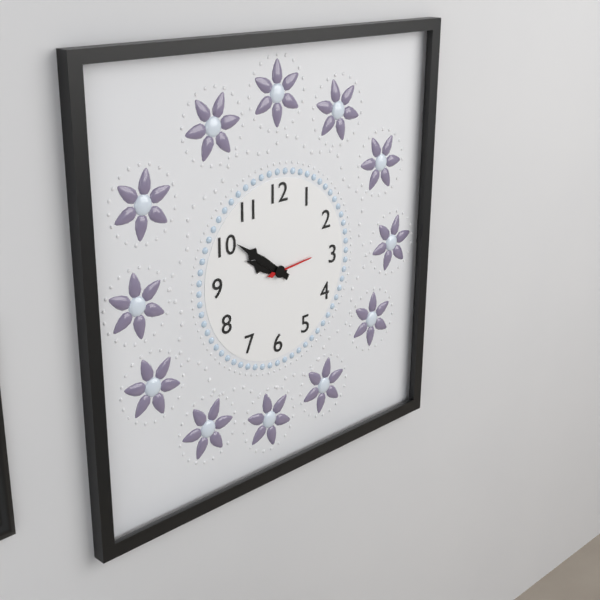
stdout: 9h51
